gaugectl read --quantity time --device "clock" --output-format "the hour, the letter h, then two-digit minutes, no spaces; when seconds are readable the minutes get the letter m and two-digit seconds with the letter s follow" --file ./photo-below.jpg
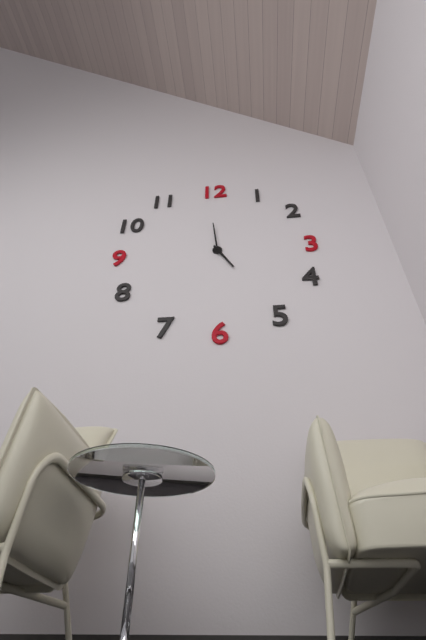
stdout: 4h59
